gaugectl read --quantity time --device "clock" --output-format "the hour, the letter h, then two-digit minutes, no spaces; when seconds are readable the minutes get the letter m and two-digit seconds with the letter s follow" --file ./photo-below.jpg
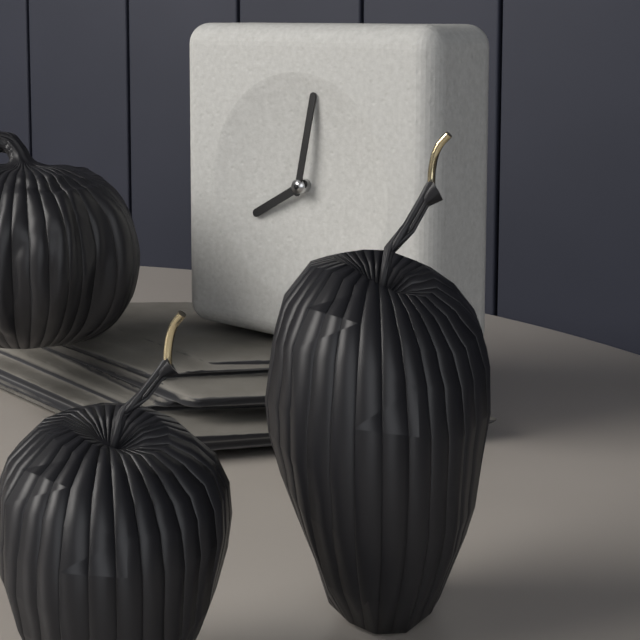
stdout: 8h02
